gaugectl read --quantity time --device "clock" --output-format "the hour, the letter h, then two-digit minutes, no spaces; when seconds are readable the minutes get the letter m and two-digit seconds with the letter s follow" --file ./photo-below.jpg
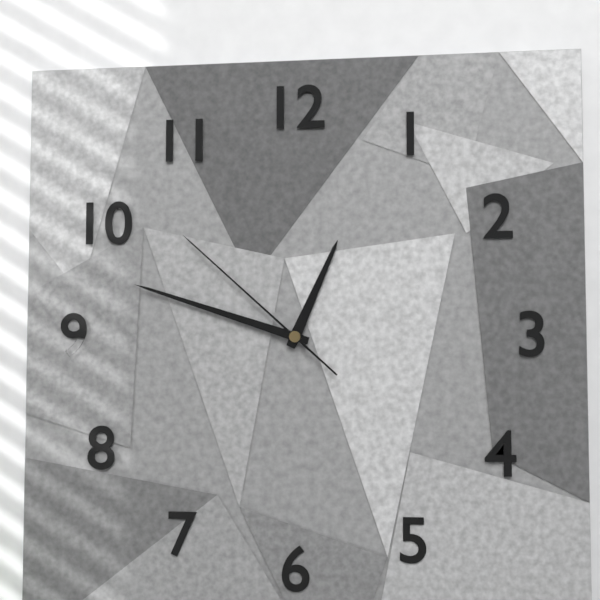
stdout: 12h48m52s
